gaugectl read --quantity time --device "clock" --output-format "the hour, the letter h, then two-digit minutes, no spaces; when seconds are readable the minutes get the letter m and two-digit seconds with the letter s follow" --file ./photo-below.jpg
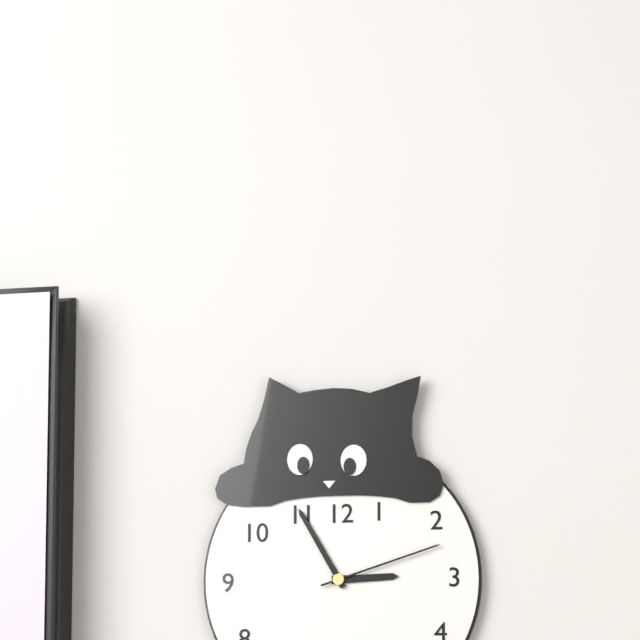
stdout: 2h55m12s
